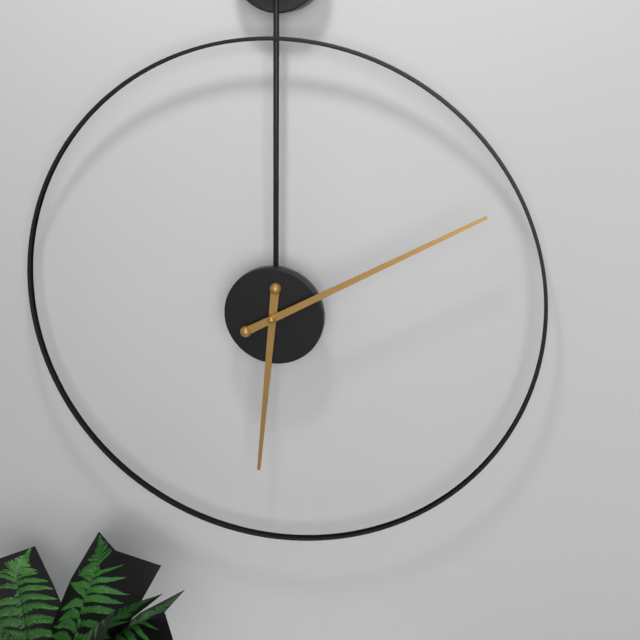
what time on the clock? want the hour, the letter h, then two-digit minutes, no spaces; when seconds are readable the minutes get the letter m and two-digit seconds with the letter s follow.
6h10
